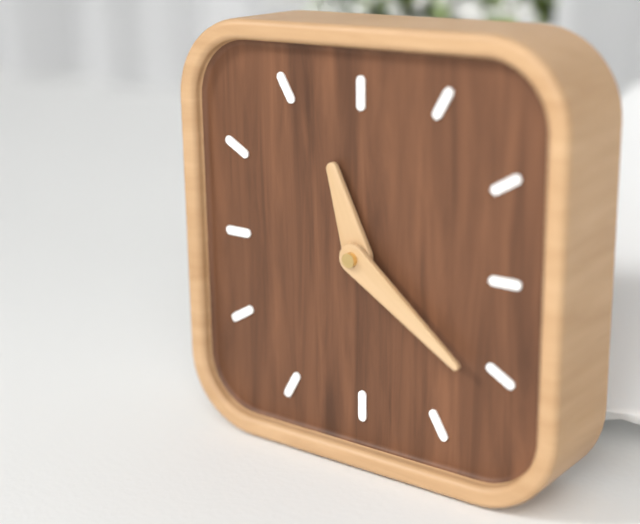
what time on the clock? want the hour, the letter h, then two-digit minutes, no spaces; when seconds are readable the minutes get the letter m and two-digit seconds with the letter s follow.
11h21
